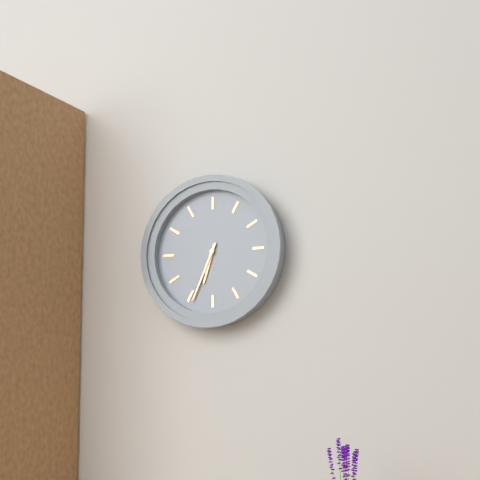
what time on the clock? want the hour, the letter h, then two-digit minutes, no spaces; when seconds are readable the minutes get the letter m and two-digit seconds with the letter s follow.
6h34
